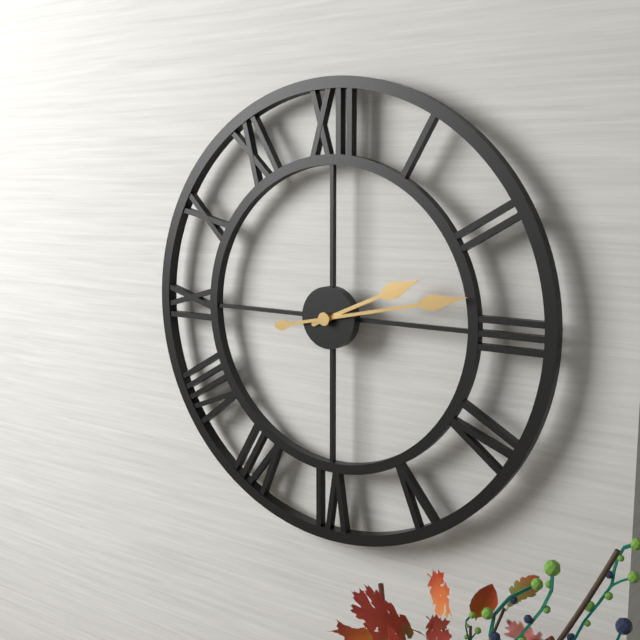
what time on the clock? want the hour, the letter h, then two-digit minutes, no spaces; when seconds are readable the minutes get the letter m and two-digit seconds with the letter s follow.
2h13
